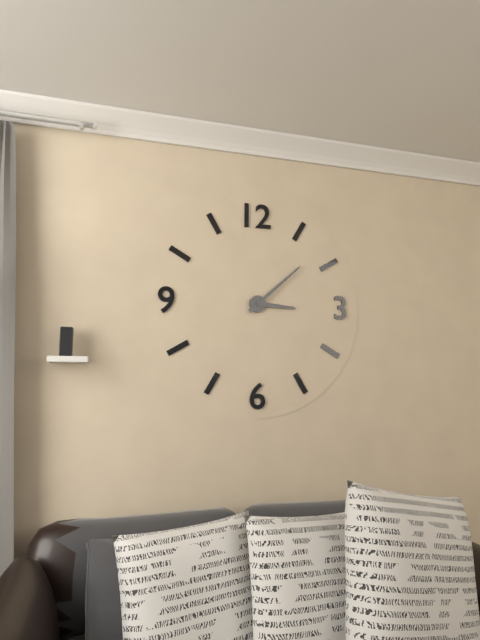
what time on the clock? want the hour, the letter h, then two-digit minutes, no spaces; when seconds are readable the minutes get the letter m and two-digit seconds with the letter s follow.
3h08
